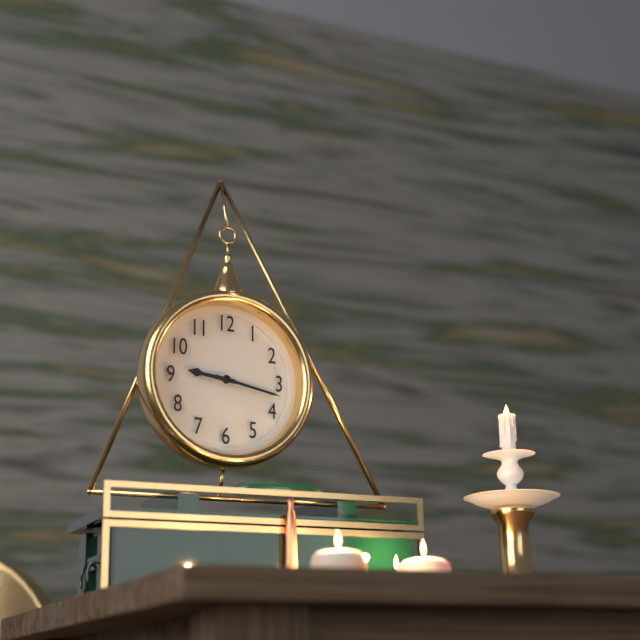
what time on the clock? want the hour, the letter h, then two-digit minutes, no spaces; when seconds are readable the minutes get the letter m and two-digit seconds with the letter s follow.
9h17
